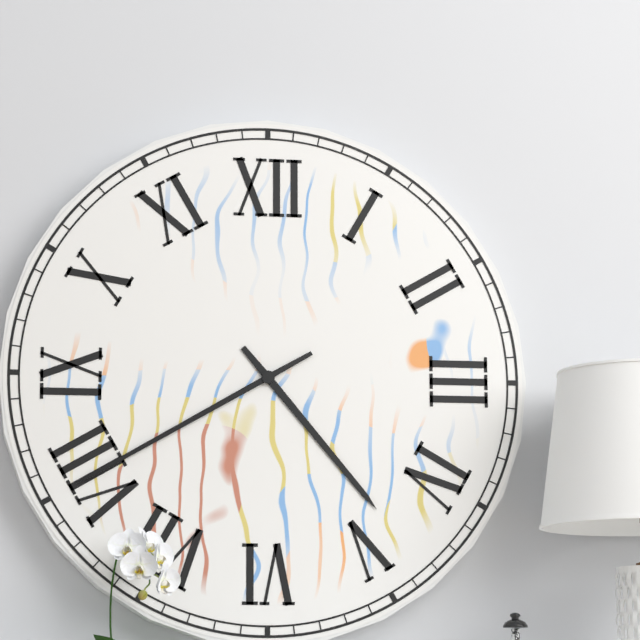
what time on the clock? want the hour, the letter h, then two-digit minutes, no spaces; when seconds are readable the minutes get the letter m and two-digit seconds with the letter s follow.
4h40
